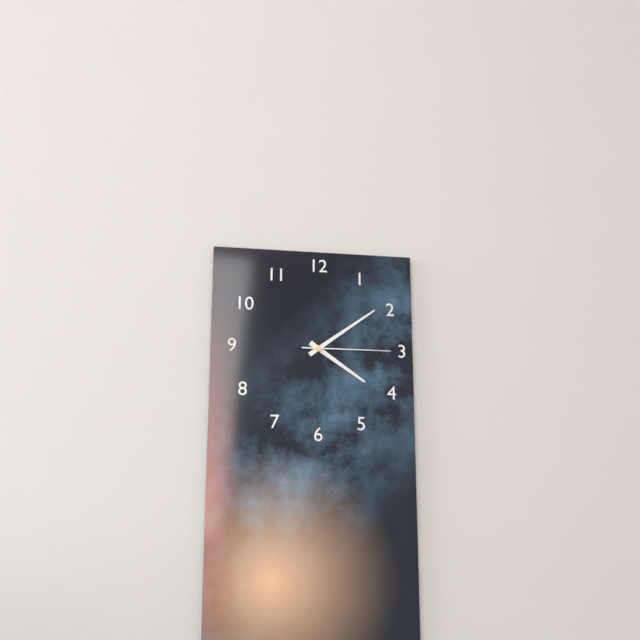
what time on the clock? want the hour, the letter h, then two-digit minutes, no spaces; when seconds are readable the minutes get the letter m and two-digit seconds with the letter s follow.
4h09m15s
